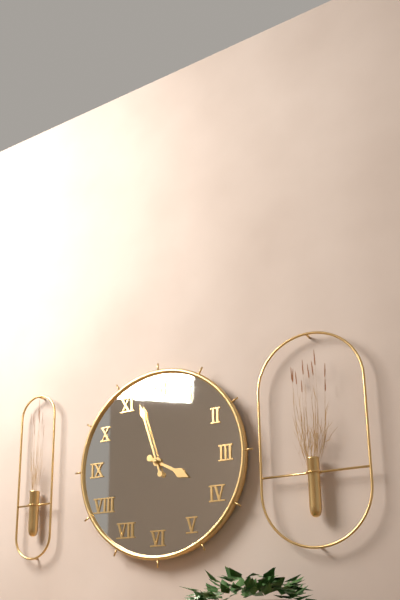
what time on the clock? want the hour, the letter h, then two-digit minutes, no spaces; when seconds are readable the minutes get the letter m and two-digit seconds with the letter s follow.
3h57
